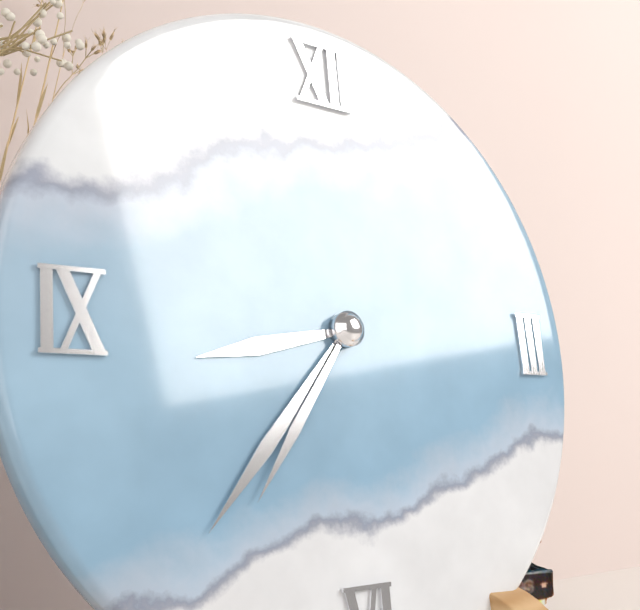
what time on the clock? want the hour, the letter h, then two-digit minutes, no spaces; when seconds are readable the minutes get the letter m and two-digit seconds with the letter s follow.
8h37m36s
